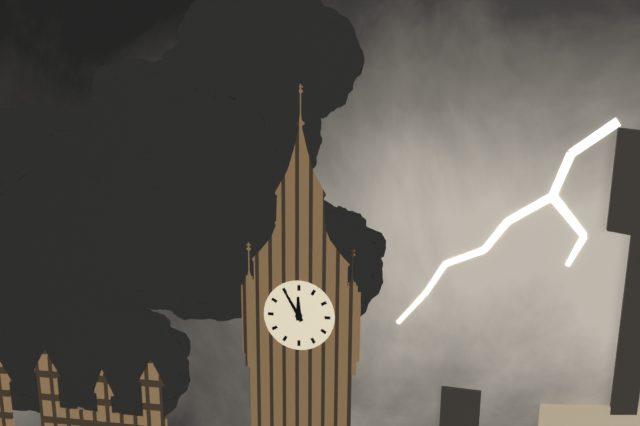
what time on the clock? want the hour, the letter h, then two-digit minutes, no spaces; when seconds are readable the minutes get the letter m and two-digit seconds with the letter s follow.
11h55
